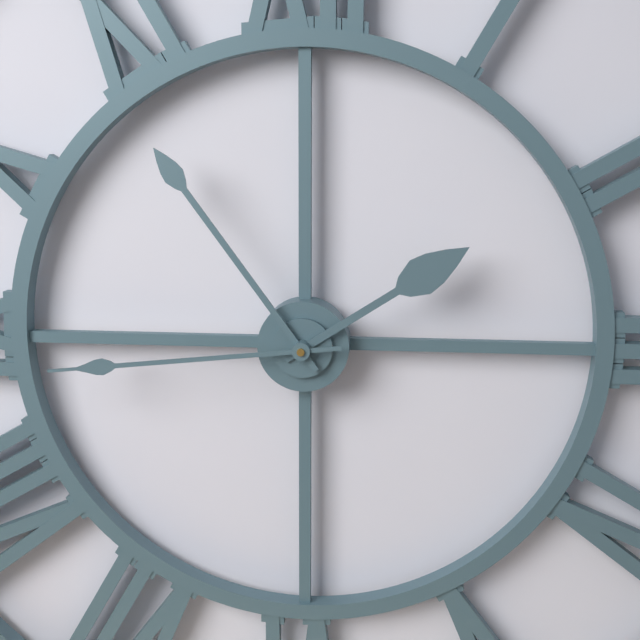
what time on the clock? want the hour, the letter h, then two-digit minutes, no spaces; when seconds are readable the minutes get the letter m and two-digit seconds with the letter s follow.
1h54m44s
